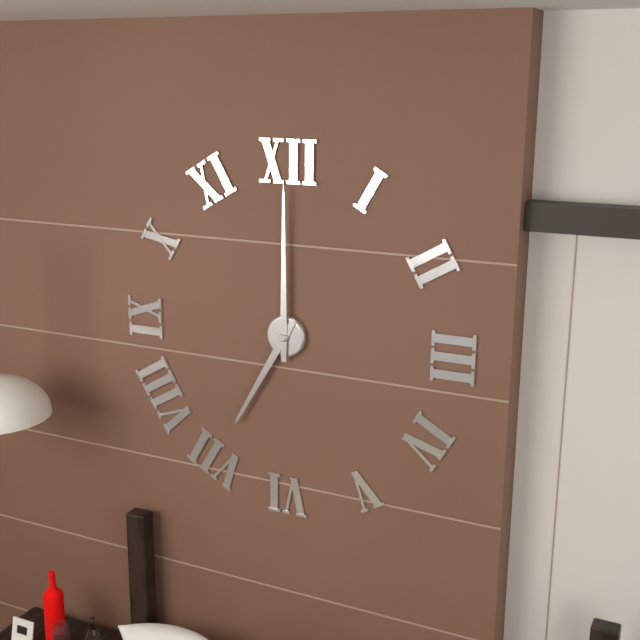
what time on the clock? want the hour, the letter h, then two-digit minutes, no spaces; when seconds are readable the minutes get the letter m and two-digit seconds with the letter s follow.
7h00
